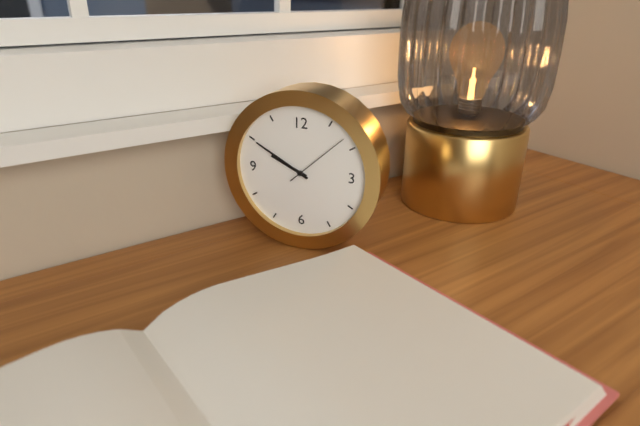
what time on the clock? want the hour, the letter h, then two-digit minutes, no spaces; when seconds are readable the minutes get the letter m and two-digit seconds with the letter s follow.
9h50m08s
